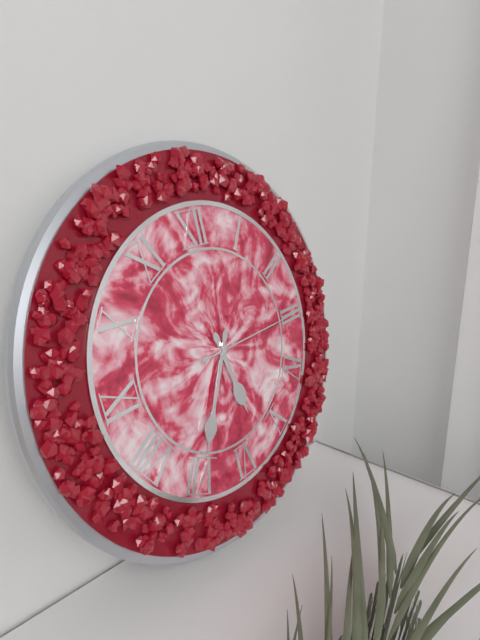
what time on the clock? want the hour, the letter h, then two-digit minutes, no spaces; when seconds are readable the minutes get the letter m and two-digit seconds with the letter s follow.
5h35m15s
